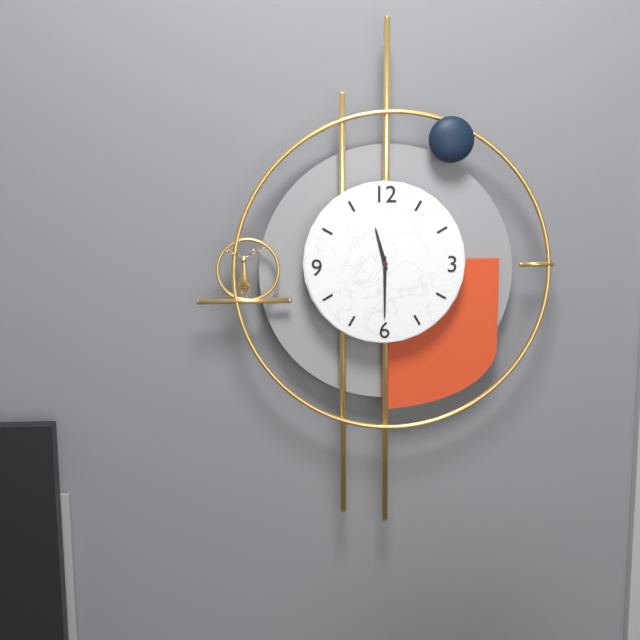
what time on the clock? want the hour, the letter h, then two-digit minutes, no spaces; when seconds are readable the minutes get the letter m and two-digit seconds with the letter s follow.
11h30
